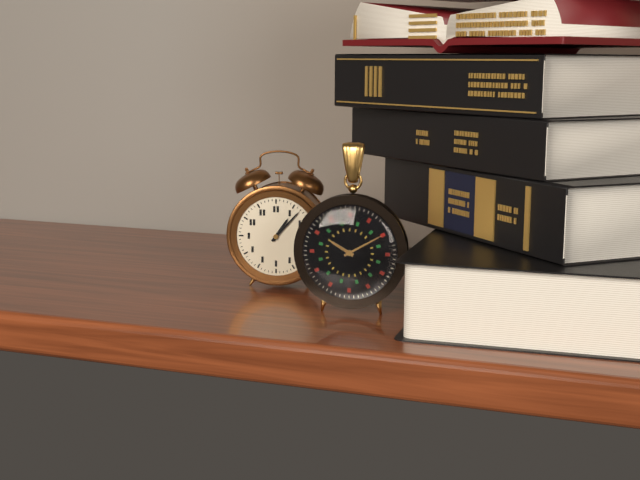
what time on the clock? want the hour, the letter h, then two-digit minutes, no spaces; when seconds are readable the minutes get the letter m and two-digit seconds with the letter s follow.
1h07
